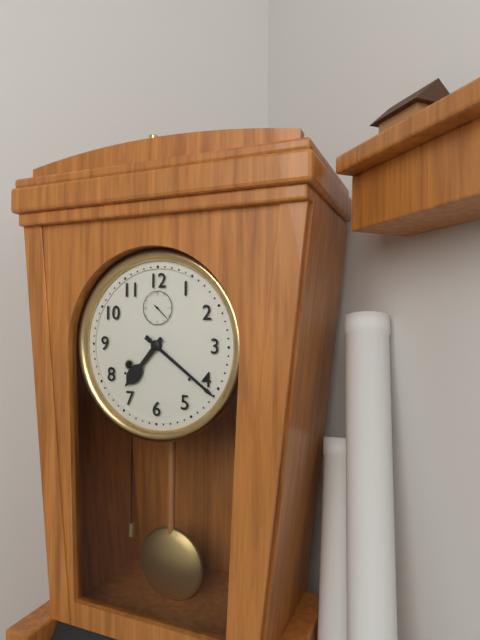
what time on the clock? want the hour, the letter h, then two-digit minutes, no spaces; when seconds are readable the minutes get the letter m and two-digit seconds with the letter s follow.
7h21
